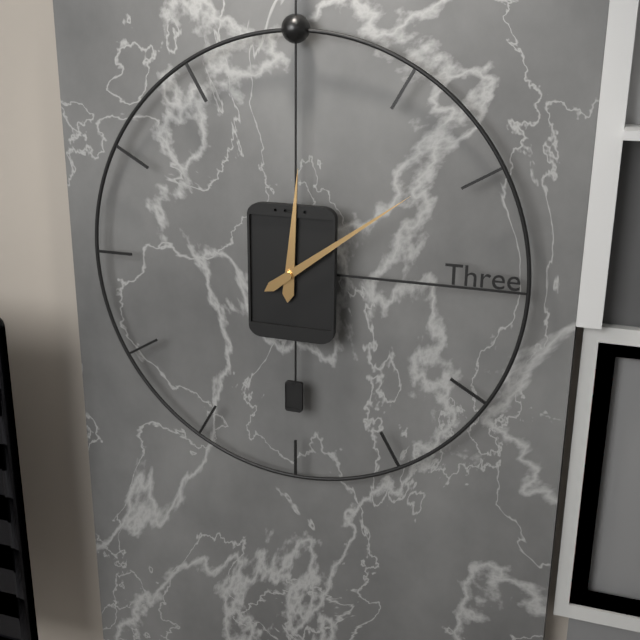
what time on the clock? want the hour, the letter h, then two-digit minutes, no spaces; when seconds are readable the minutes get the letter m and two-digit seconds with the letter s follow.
12h09
